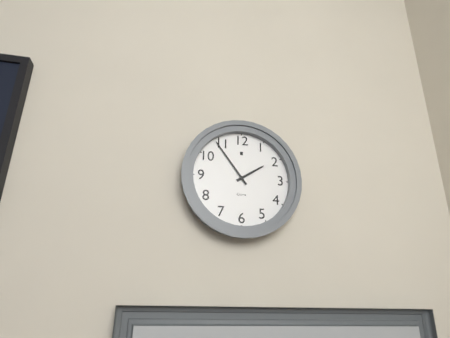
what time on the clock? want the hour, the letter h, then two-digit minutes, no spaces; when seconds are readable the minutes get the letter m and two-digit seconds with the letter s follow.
1h54
